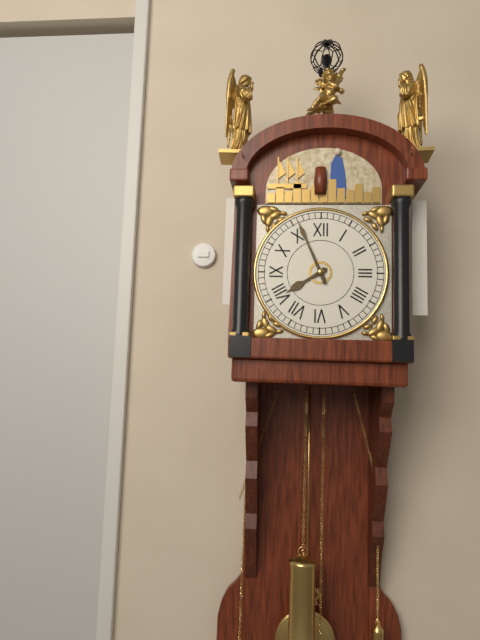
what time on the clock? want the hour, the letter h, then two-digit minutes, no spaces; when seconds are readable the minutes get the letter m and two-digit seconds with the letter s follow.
7h56
